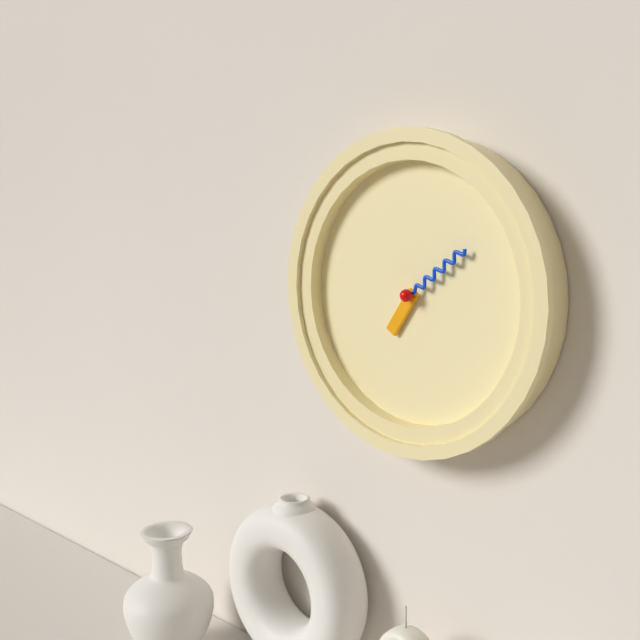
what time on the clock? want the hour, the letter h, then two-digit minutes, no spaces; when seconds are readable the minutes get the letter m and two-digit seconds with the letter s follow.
7h09
